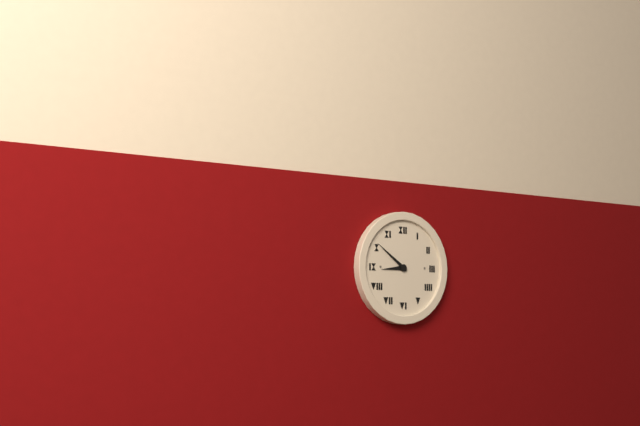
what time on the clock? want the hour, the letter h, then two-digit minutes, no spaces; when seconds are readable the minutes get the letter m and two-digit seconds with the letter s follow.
8h51
